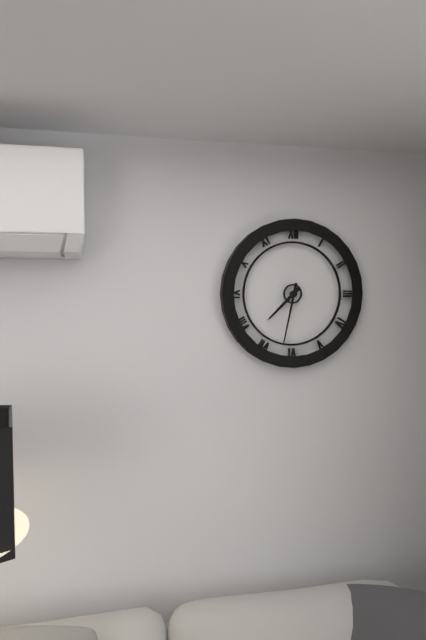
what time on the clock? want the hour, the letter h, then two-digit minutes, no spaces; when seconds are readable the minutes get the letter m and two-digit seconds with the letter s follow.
7h32
